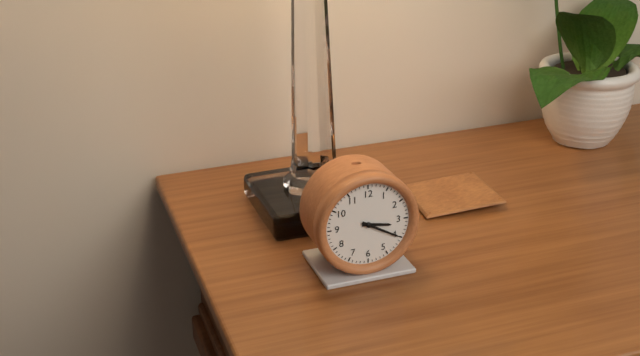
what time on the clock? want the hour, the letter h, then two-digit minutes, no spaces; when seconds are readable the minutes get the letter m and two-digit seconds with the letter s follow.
3h20
